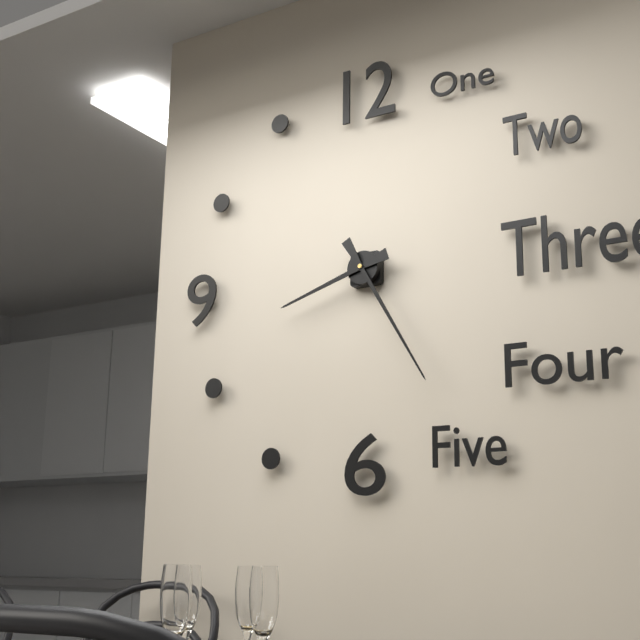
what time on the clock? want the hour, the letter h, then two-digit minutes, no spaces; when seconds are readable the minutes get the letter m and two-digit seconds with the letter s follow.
8h25
